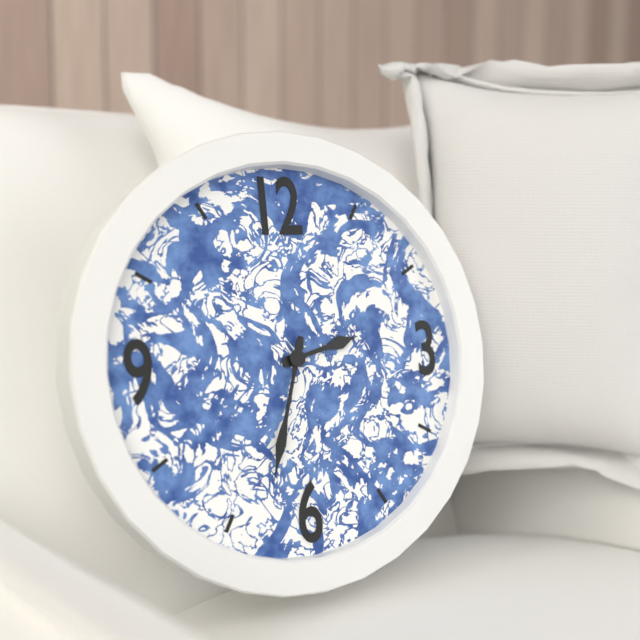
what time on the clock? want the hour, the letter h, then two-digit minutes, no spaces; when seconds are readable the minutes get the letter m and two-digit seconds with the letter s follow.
2h33
